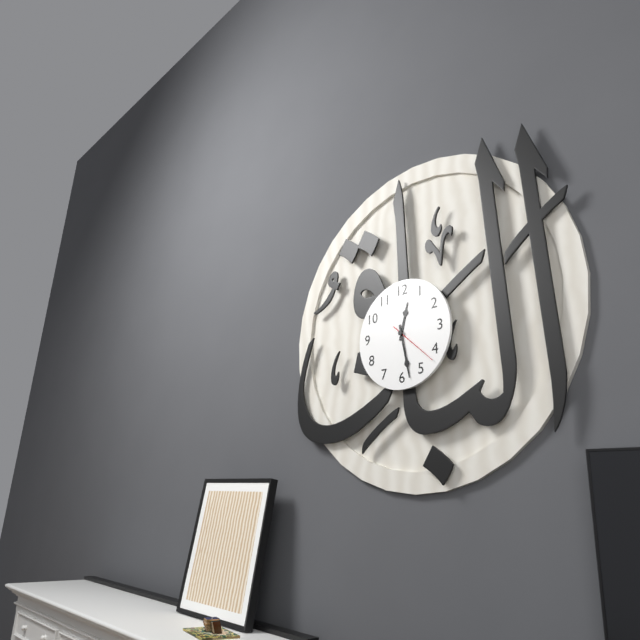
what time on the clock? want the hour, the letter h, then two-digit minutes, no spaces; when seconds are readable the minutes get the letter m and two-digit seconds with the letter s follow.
12h28
